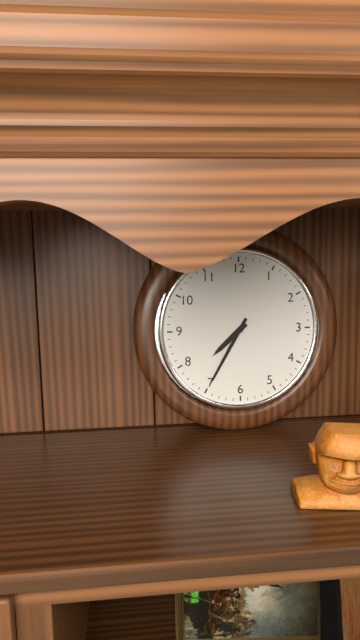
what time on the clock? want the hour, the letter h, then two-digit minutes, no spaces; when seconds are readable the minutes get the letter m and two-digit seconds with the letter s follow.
7h35
